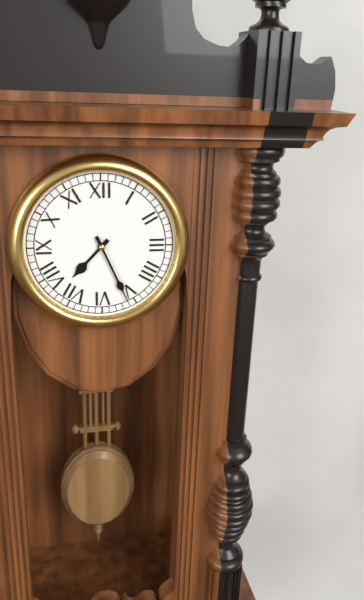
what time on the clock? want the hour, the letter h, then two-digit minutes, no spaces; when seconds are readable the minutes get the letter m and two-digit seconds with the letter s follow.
7h26
